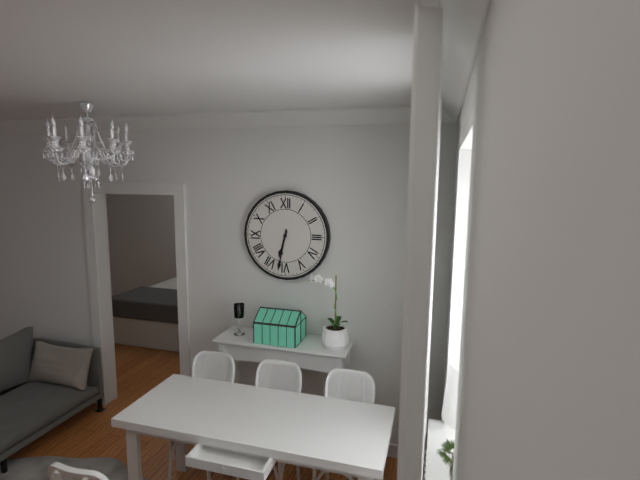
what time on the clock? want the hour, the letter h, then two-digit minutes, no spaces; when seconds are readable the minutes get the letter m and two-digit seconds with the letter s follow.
6h32
